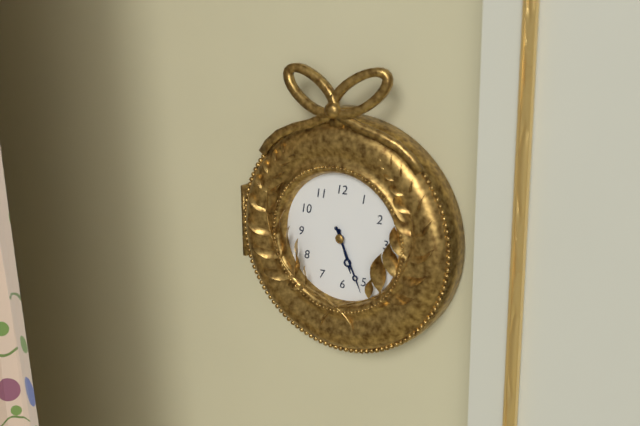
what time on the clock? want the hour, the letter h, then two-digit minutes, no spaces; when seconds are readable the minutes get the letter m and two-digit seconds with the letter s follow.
5h26
